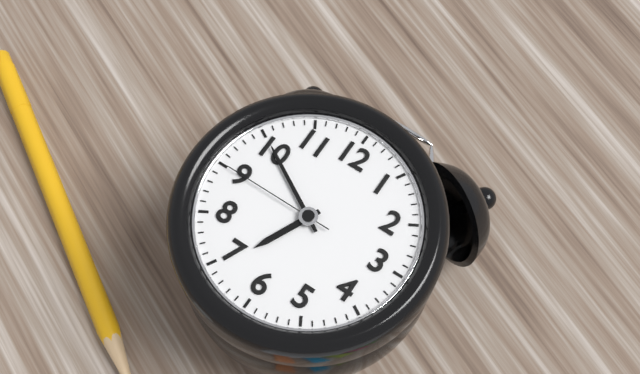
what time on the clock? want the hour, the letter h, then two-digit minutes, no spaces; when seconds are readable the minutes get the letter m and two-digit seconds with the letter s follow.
6h50m45s
